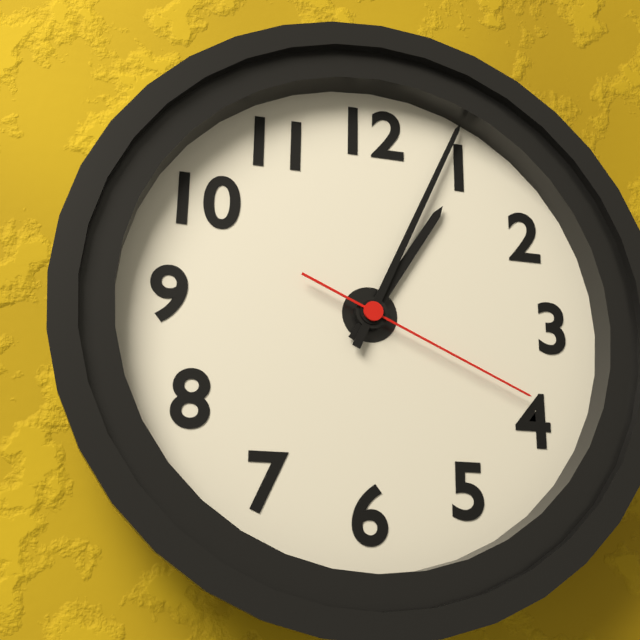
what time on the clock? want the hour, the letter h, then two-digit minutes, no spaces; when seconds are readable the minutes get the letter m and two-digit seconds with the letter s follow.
1h04m19s
